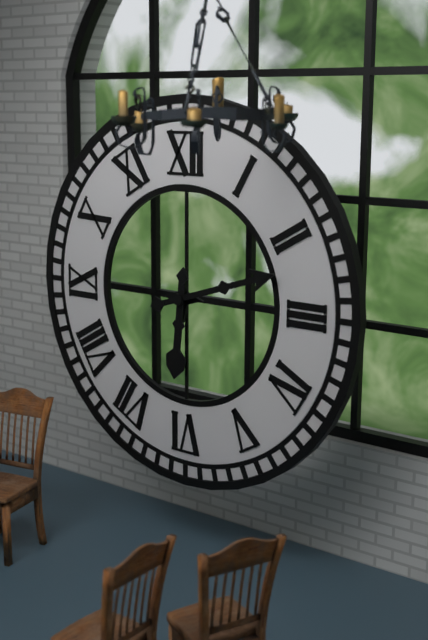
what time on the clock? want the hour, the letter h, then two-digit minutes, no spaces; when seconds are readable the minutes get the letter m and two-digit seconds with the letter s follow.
6h12
